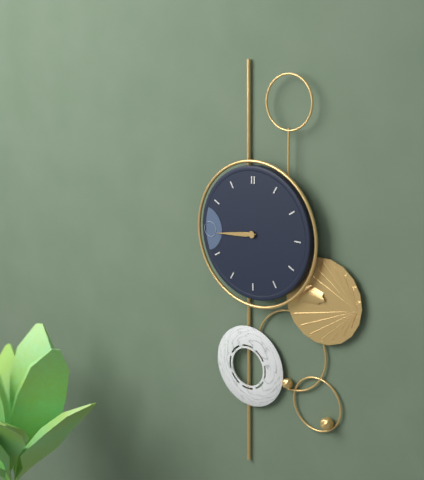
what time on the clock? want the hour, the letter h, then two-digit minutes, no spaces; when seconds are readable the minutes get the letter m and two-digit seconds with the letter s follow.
8h44
